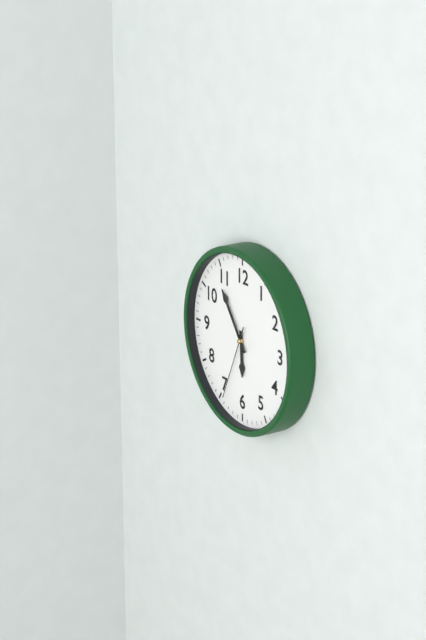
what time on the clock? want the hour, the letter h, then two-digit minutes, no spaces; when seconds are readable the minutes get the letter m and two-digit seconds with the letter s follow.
5h54m34s
